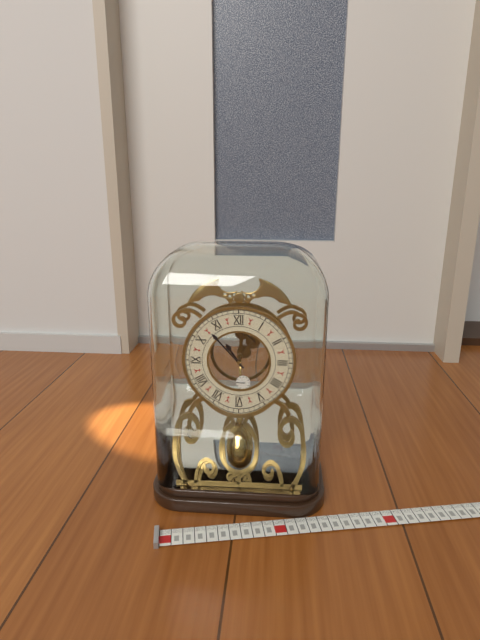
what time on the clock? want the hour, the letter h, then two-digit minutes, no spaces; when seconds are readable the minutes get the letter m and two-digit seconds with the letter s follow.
10h53
